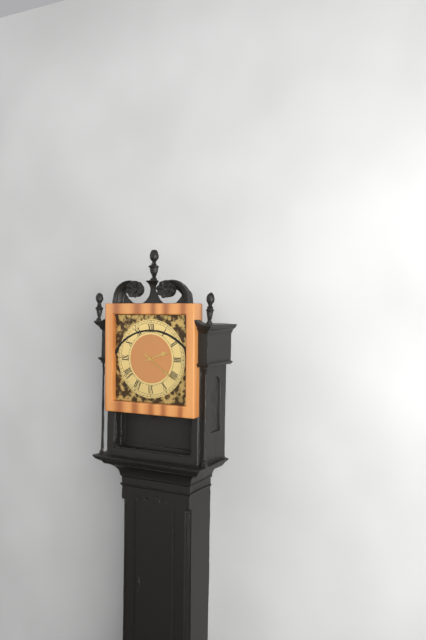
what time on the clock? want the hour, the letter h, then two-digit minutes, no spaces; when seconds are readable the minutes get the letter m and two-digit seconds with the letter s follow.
2h21
